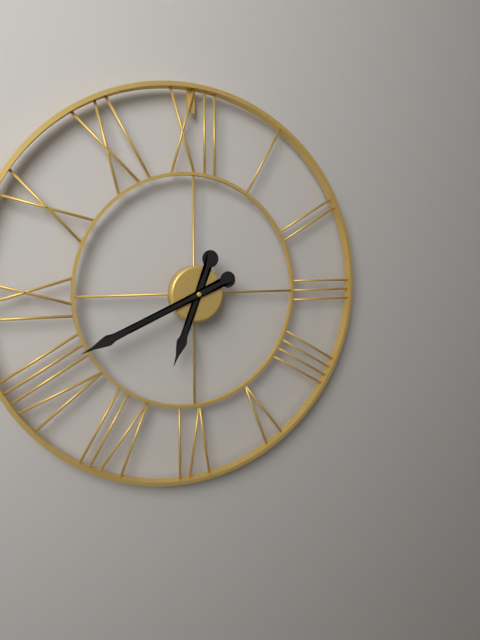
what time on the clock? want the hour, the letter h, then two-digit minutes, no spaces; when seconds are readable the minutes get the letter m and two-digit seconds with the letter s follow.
6h41
